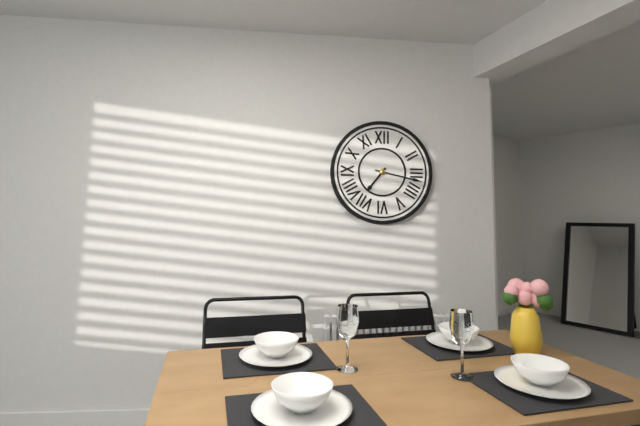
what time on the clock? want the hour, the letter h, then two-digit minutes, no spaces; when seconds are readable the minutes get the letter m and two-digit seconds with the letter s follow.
7h17
